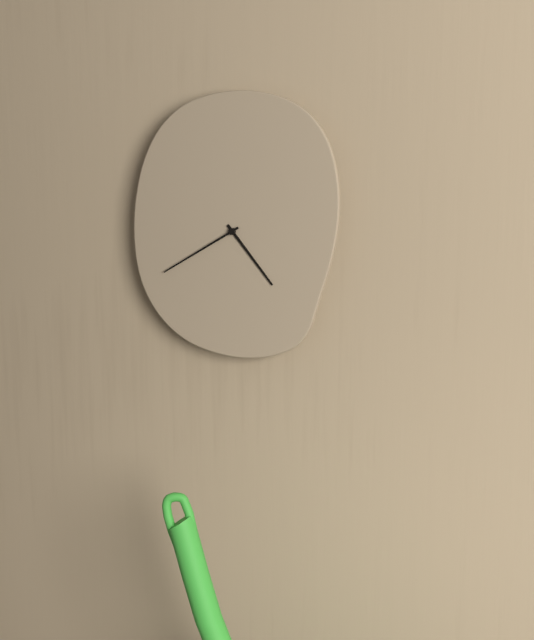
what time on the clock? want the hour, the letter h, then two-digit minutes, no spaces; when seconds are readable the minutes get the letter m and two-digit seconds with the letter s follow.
4h40
